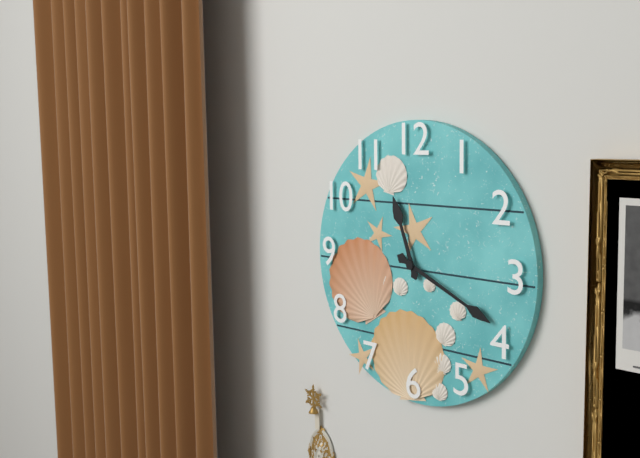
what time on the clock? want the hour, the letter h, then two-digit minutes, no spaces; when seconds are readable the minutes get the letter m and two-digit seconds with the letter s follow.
11h19
